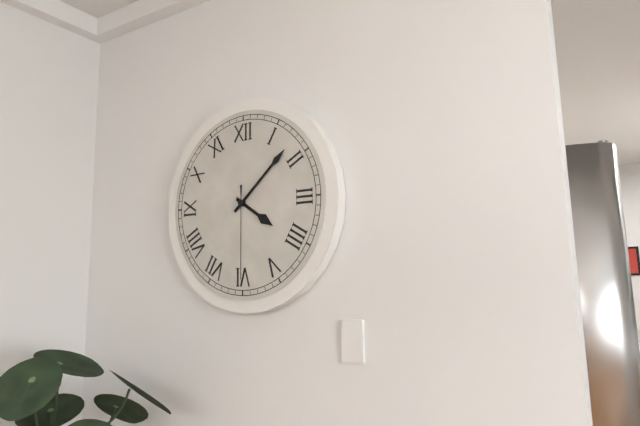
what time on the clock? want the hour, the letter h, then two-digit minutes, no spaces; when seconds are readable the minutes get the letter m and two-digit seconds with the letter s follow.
4h08m30s
